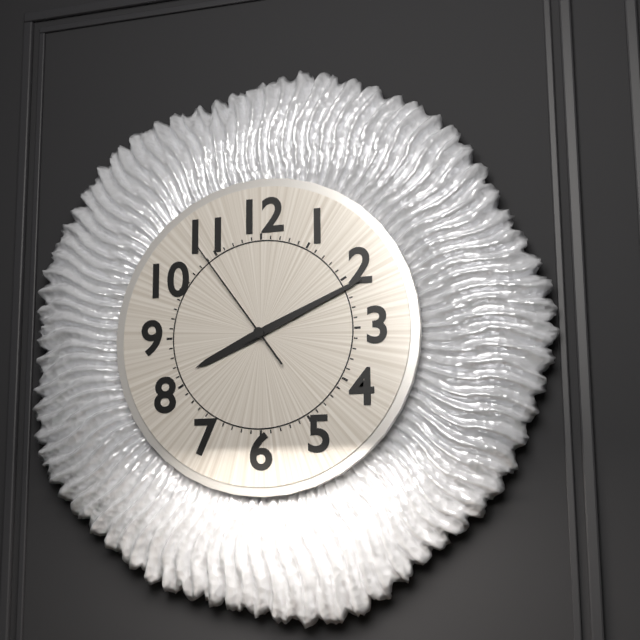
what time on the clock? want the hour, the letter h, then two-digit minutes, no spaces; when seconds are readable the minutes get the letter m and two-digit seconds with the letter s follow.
8h11m54s
